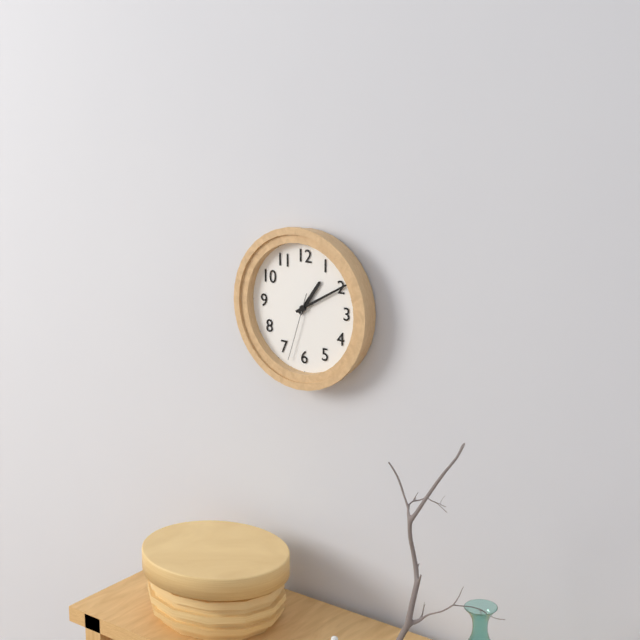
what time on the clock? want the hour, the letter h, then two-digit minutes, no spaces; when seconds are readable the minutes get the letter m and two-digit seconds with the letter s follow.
1h10m33s
